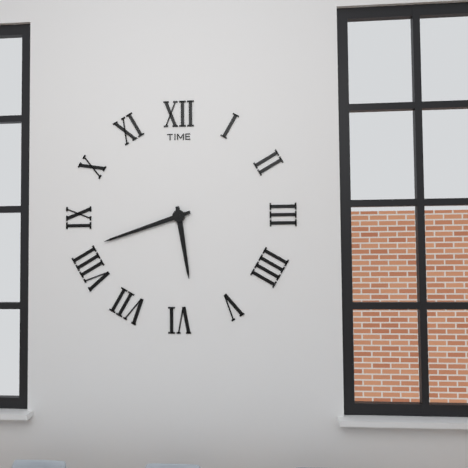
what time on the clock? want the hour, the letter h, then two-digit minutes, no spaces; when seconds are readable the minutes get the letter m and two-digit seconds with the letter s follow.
5h42
